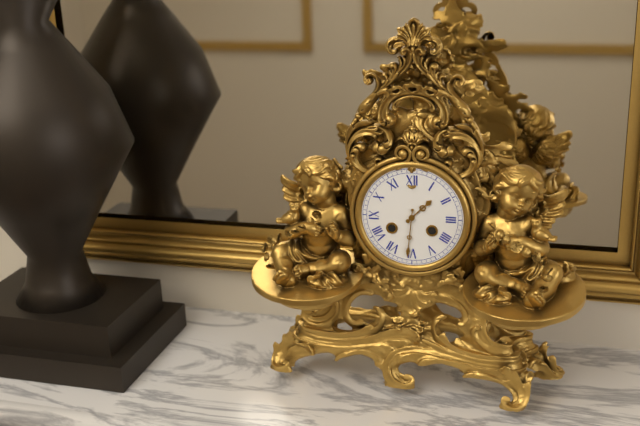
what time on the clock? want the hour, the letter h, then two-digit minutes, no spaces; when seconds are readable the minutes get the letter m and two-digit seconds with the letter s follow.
1h31
